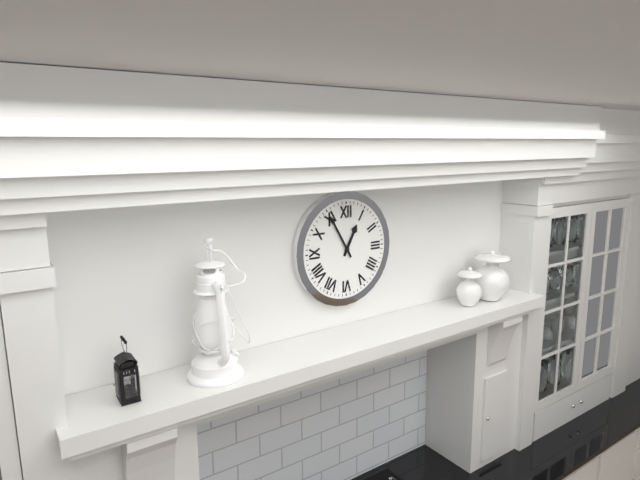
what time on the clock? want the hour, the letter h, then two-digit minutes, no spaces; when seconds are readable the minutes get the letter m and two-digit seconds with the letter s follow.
12h55
